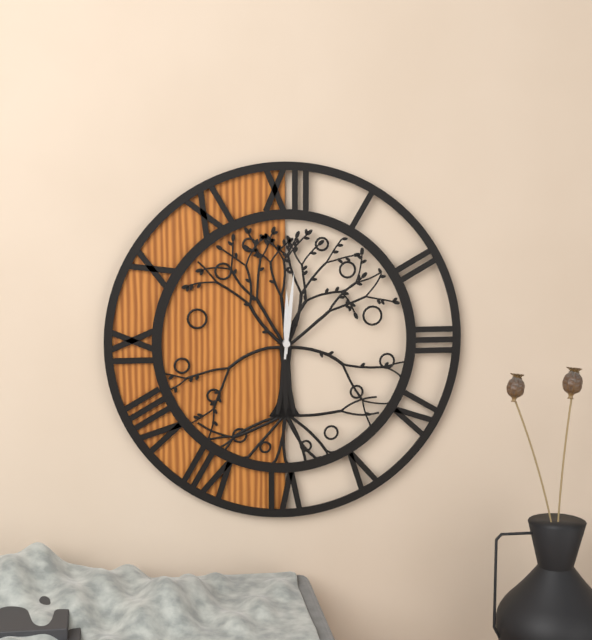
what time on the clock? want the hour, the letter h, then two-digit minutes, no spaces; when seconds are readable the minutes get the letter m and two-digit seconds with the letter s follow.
12h01
